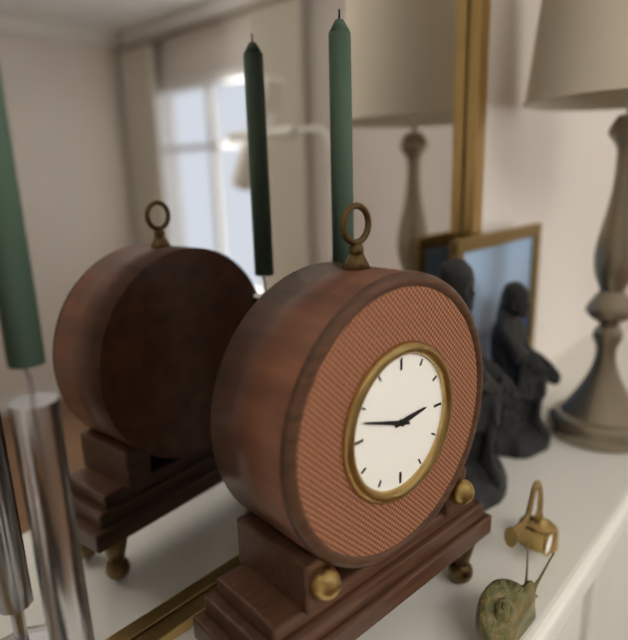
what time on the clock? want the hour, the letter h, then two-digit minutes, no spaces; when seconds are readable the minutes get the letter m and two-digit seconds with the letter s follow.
2h48
